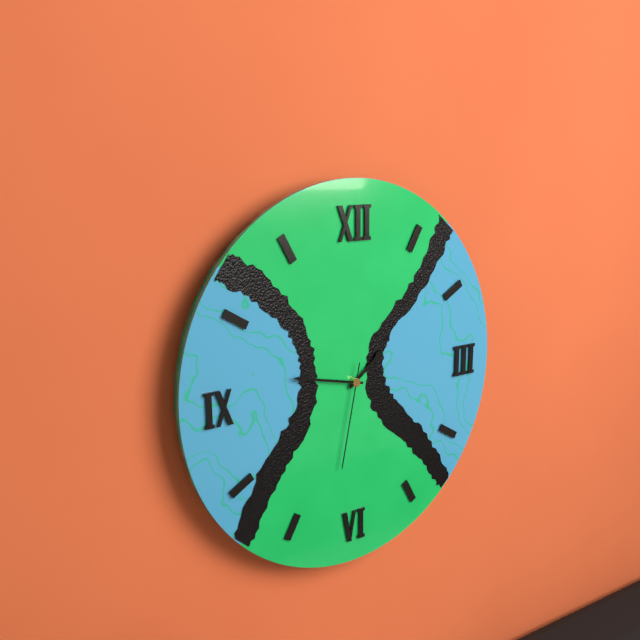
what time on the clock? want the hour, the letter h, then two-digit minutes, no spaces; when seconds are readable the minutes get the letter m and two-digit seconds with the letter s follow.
1h47m32s
